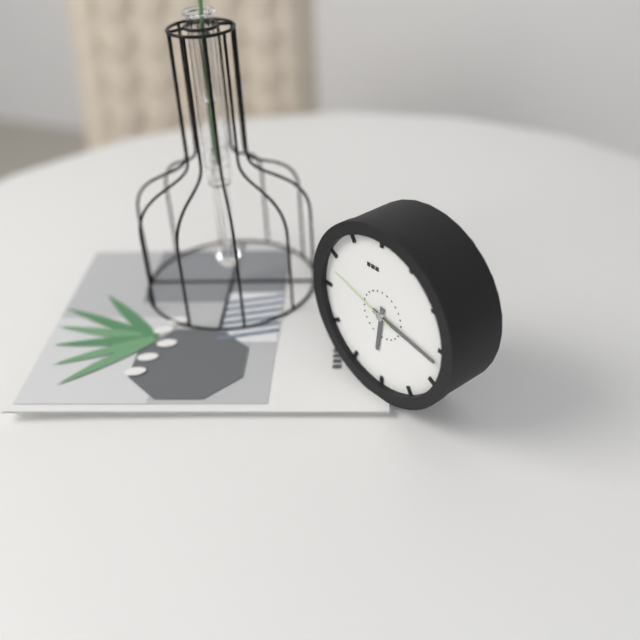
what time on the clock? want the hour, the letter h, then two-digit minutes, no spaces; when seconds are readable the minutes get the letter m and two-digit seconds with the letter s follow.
6h17m48s
